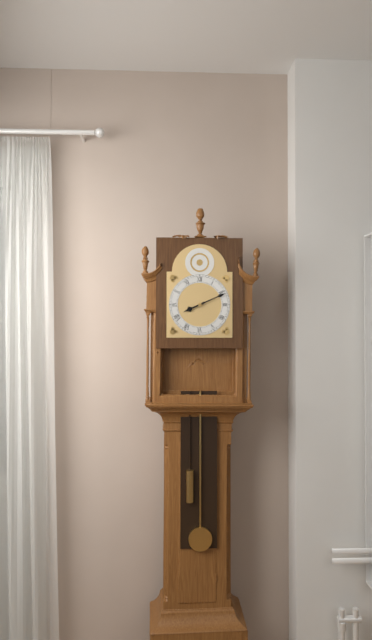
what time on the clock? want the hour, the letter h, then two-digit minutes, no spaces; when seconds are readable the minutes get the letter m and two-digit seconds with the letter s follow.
8h11
